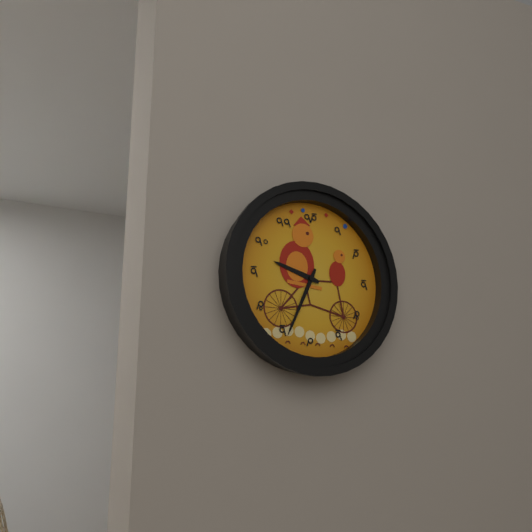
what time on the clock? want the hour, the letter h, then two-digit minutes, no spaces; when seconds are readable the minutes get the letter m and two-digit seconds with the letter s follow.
9h34
